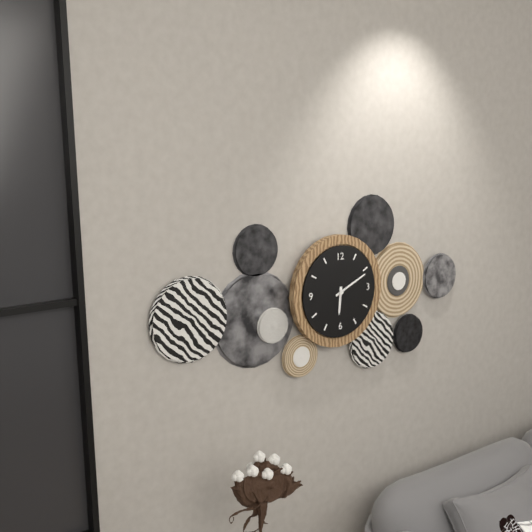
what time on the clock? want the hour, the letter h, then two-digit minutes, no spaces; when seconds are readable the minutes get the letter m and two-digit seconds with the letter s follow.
6h11
